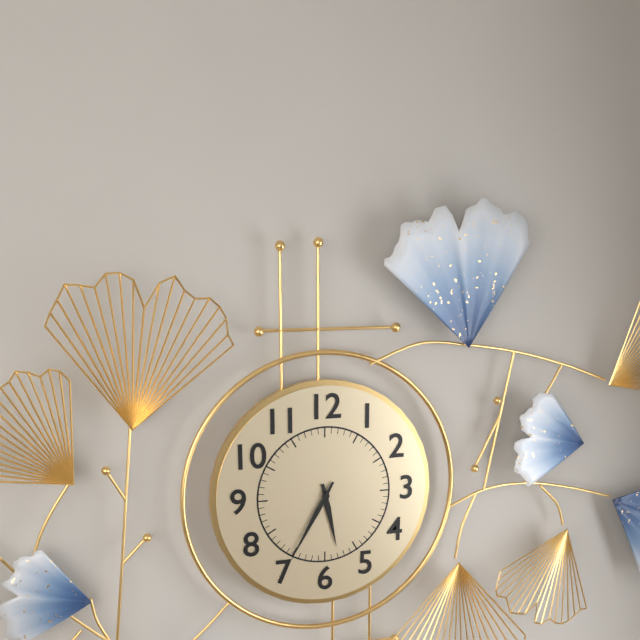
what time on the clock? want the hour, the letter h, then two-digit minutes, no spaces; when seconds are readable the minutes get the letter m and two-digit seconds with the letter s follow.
5h35
